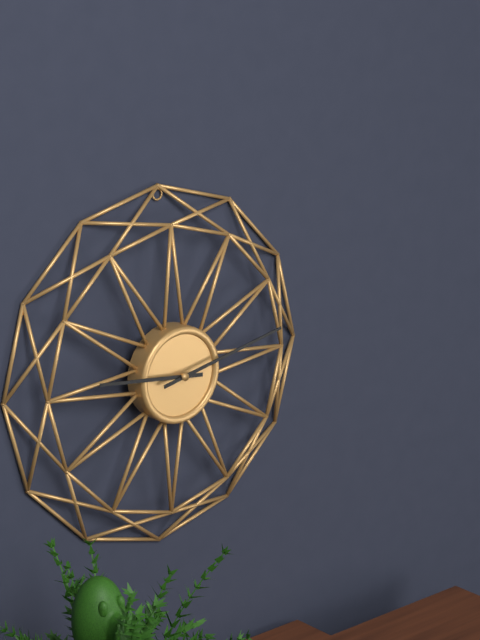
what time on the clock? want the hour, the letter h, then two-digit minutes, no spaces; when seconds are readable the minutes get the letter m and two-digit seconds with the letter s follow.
9h13
